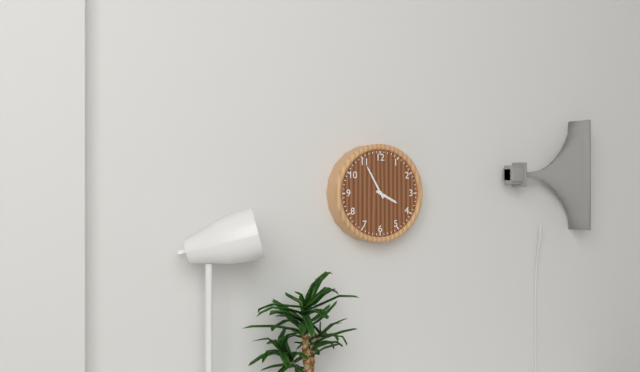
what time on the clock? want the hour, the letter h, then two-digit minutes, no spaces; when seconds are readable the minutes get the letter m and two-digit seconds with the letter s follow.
3h55
